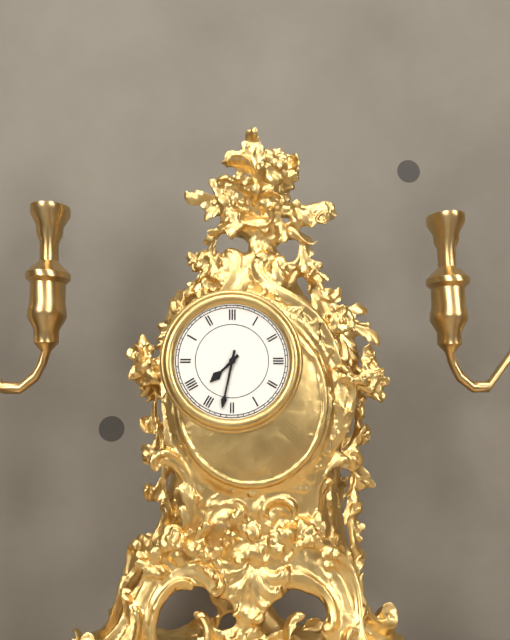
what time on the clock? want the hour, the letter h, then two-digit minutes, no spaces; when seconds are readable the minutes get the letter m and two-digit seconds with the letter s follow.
7h32
